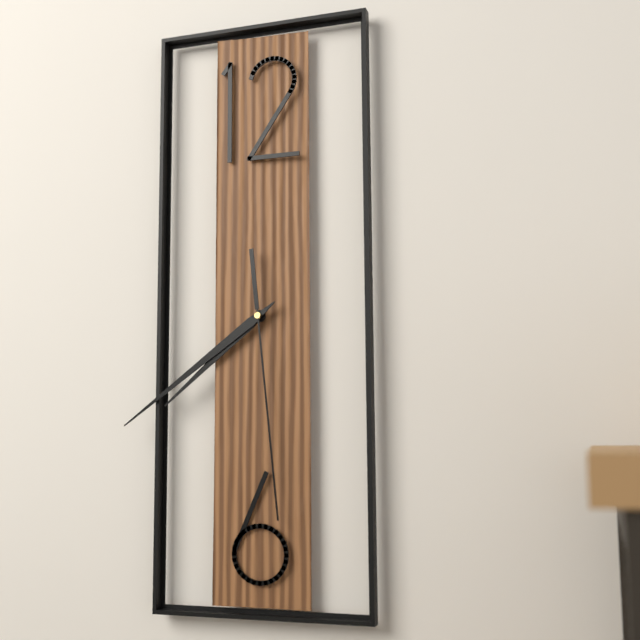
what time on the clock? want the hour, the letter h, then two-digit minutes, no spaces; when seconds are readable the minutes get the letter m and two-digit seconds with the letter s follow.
7h39m29s
